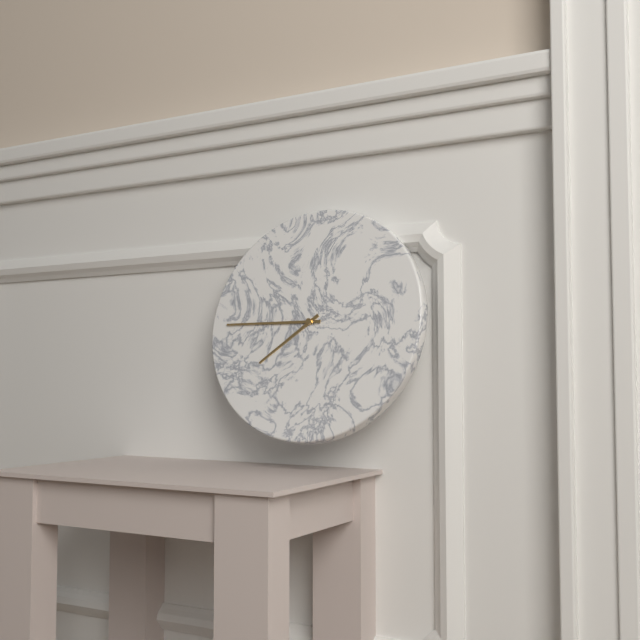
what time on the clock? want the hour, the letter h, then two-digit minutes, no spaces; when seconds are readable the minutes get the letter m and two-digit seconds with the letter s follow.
7h45
